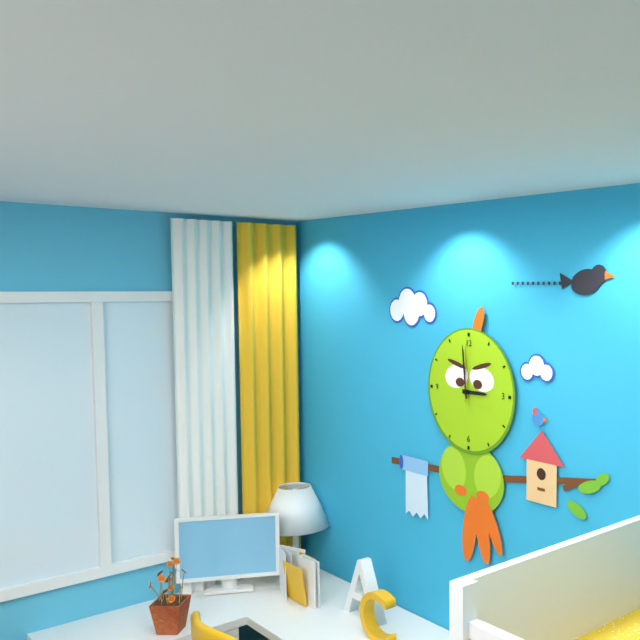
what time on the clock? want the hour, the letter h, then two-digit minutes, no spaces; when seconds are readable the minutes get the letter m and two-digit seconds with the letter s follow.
2h59m00s
